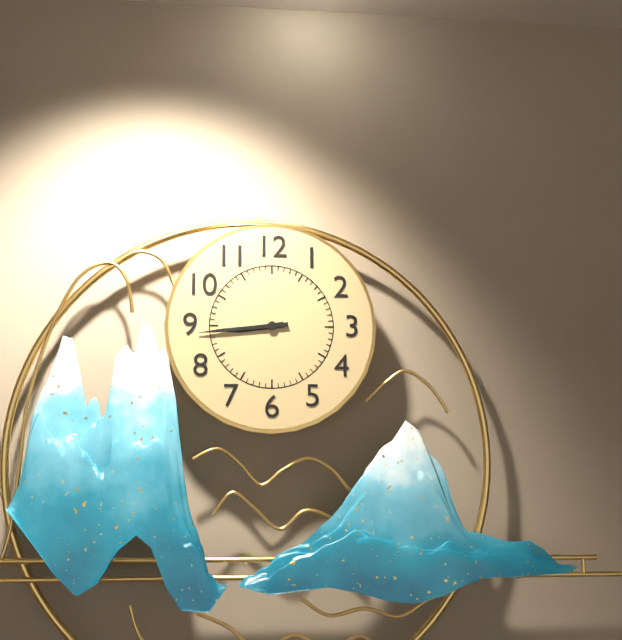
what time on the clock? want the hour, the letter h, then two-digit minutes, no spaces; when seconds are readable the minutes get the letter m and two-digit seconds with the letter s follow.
8h44
